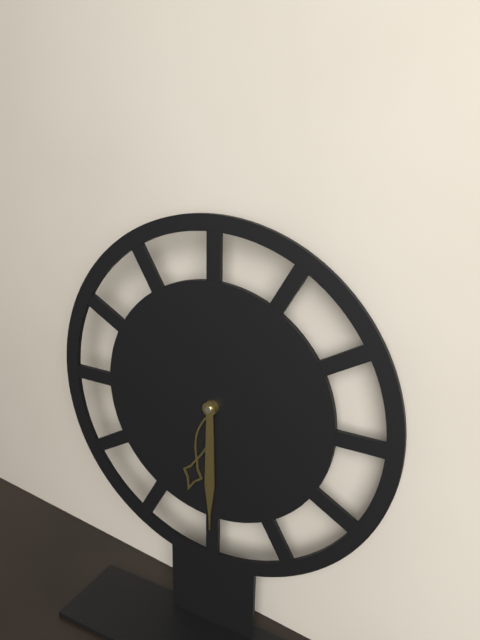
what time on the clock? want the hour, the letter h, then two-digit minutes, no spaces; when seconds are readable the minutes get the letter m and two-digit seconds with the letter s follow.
6h30
